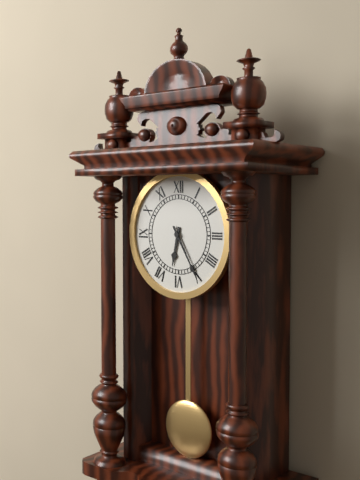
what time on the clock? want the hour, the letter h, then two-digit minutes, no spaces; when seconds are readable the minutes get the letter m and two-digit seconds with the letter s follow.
6h25
